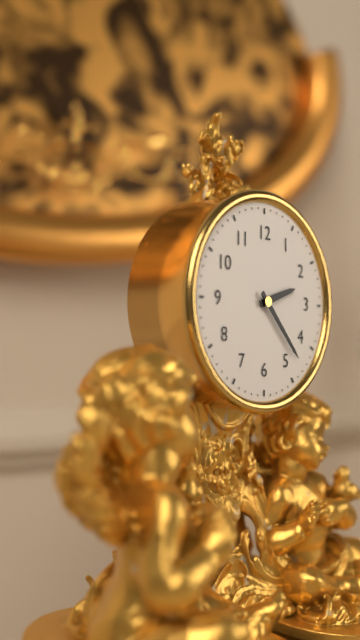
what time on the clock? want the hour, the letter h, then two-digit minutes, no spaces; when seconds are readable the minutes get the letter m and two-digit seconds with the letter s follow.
2h23
